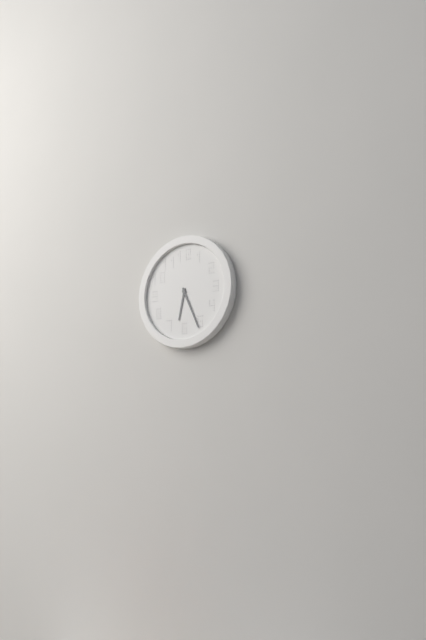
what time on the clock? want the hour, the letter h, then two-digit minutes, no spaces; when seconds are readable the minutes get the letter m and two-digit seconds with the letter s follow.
6h26
